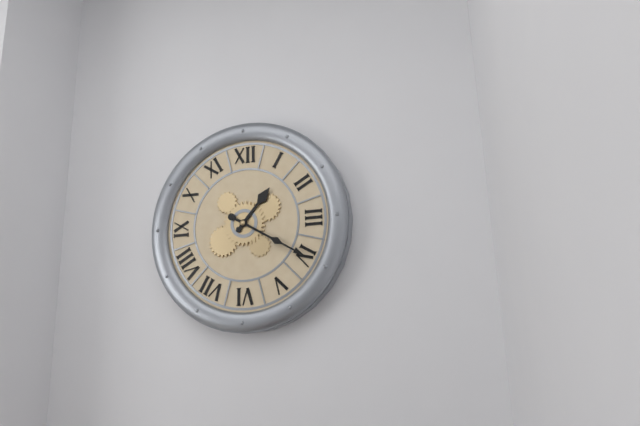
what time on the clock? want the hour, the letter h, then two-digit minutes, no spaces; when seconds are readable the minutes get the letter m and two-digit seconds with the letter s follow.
1h20
